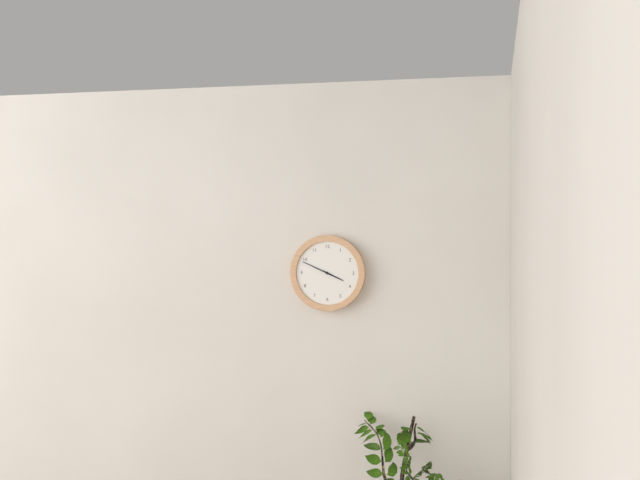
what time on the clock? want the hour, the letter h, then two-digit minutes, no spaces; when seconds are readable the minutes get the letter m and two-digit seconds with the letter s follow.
3h49
